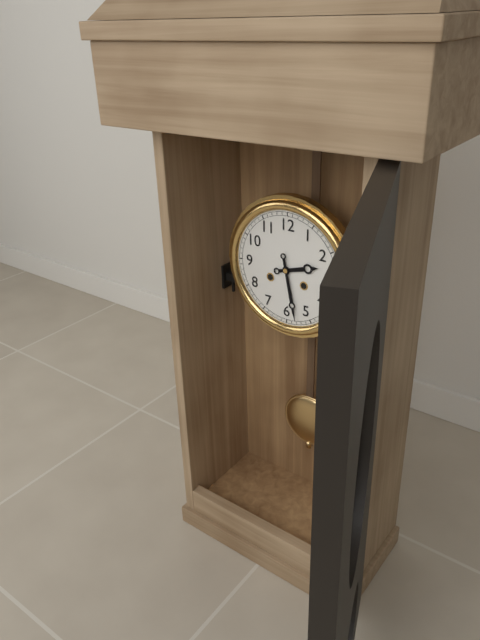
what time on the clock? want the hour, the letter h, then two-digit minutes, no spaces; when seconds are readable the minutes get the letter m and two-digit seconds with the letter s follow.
2h28
